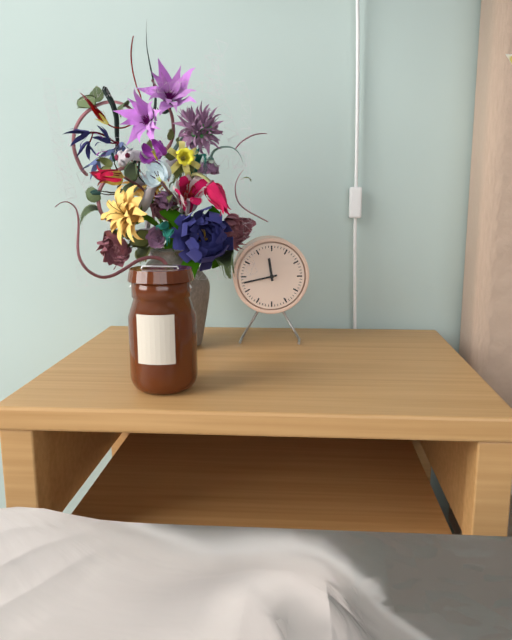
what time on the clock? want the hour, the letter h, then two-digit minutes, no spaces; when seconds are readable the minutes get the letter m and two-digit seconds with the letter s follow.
11h43
